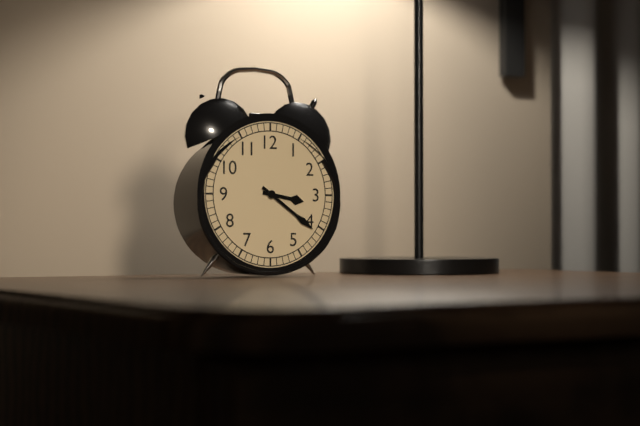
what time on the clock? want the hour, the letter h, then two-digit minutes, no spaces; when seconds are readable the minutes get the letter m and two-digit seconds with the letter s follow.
3h21
